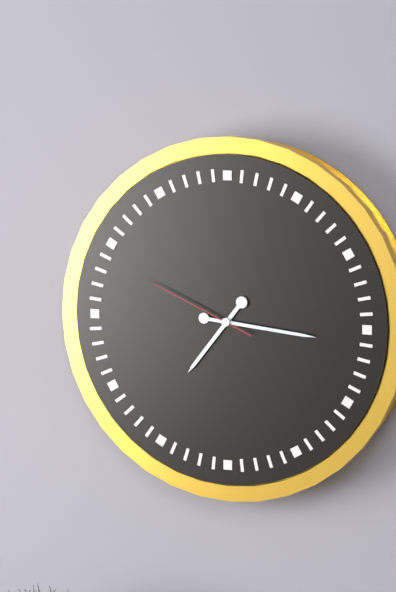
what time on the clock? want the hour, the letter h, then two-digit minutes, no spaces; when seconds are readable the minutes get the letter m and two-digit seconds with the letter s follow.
7h16m49s
